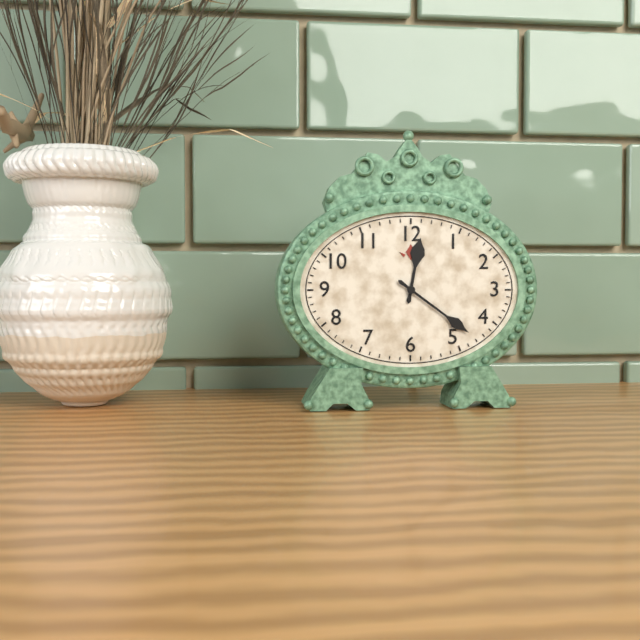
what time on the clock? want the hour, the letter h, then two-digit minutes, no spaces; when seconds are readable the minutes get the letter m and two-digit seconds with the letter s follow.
12h21
